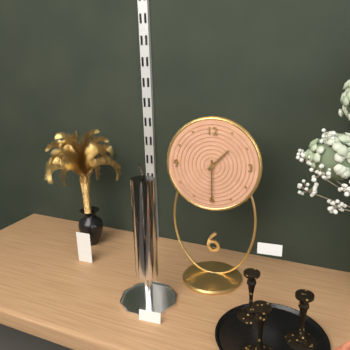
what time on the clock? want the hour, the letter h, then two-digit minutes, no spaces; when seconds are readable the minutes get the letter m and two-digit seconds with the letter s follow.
1h30
